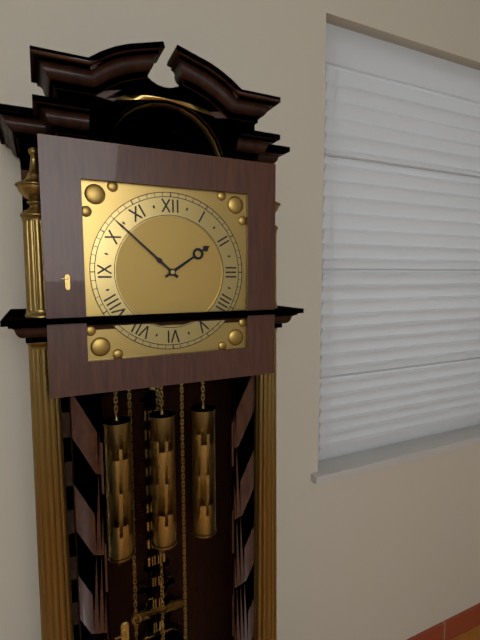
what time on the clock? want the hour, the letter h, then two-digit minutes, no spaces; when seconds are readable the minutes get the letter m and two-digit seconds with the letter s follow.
1h52
